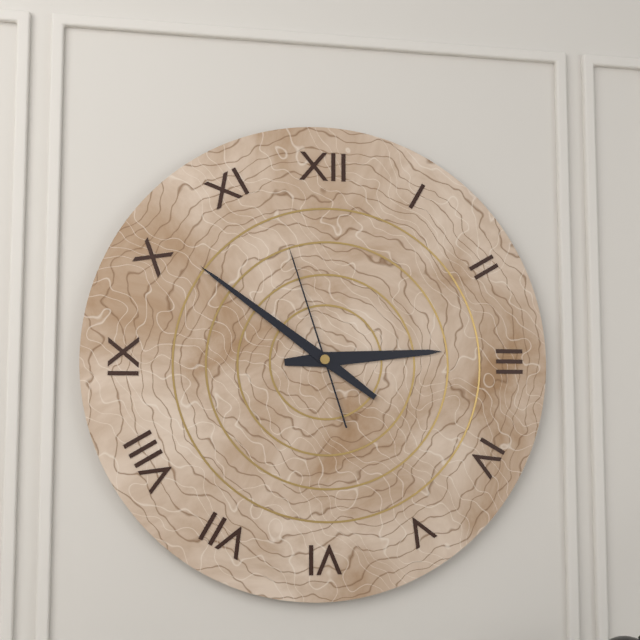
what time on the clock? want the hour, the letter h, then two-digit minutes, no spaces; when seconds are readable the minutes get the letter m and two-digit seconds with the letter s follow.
2h51m57s
